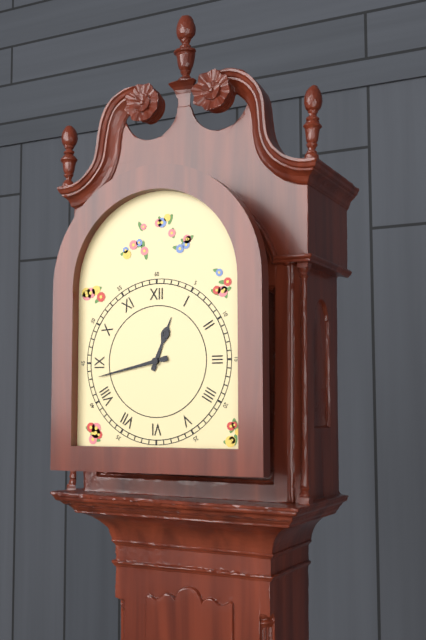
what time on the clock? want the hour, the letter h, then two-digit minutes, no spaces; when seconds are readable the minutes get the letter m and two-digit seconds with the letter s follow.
12h43
